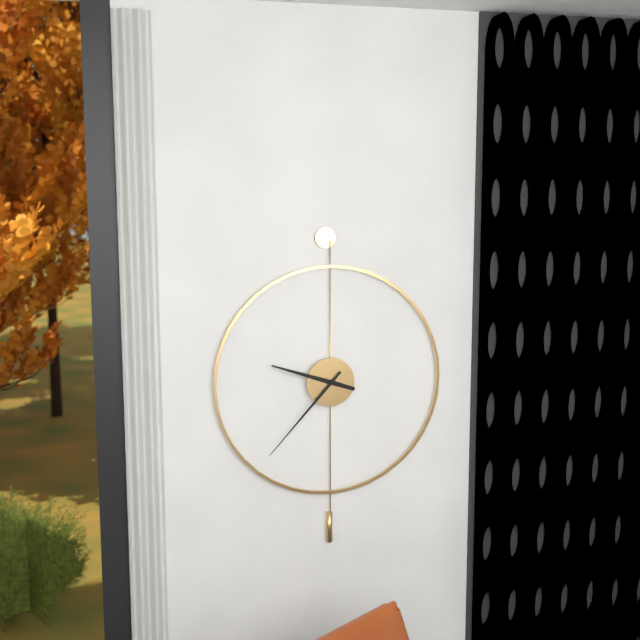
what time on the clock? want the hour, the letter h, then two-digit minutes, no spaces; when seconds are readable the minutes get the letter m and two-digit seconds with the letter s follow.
9h37
